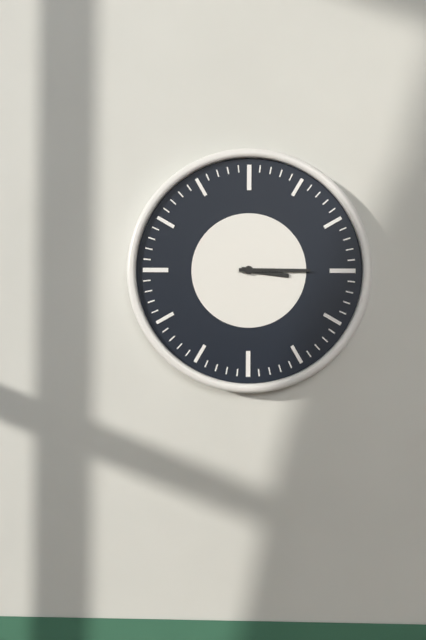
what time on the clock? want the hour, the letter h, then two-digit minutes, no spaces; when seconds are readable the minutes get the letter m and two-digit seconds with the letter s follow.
3h15
